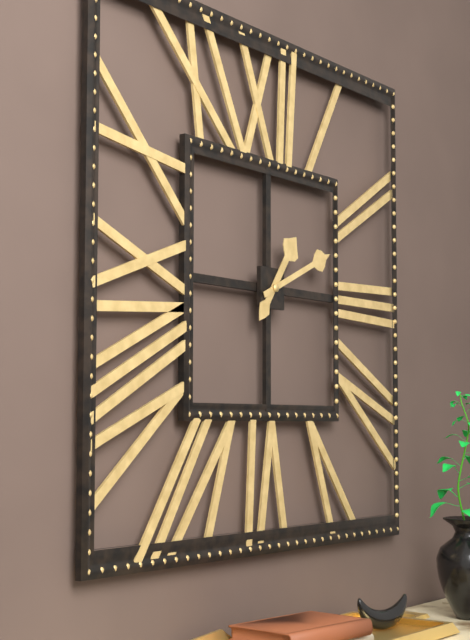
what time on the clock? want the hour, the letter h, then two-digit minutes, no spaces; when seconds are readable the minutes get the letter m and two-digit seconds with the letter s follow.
1h11
